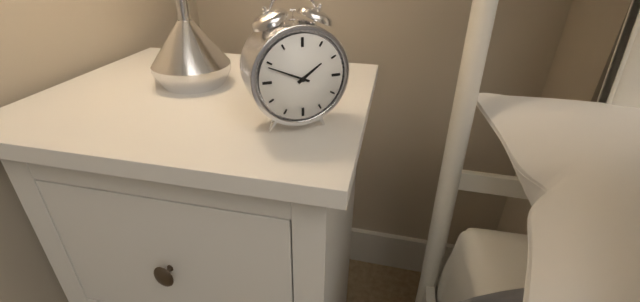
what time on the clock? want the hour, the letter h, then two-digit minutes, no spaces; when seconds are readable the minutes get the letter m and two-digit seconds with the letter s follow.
1h49
